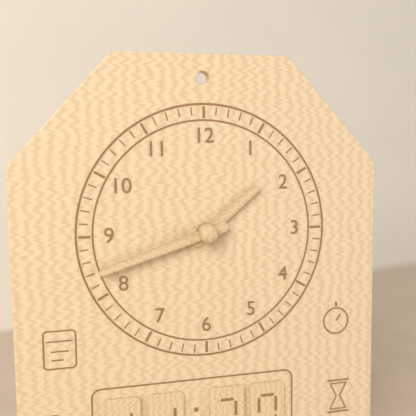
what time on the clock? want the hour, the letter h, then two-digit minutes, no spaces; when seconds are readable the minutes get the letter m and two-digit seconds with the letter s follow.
1h42
